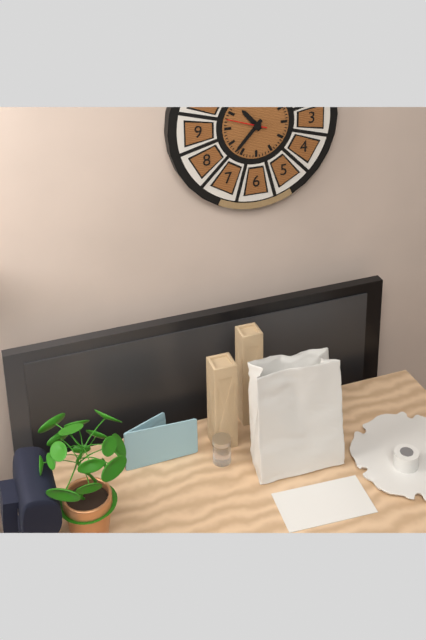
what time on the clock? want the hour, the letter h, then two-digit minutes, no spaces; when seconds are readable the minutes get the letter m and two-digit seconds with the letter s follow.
10h37
